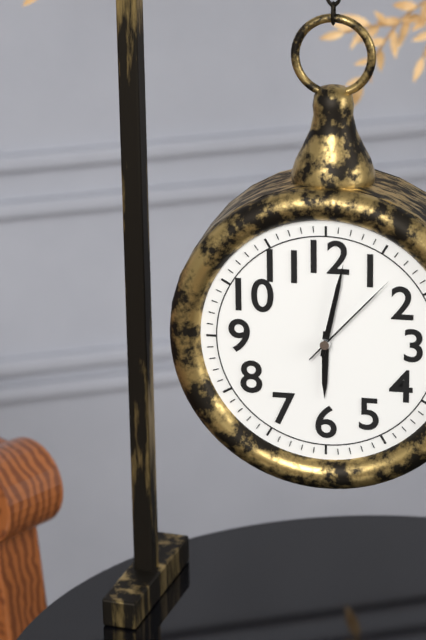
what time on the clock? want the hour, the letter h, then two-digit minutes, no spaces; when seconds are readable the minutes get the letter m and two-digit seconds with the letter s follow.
6h02m07s
